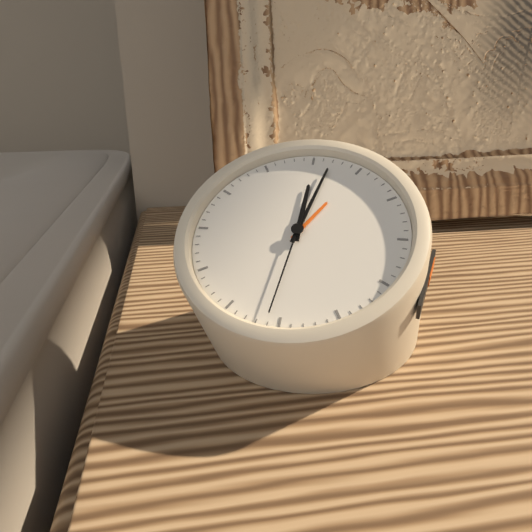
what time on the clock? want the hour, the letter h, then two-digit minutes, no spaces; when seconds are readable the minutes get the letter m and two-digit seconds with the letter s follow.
12h02m31s
